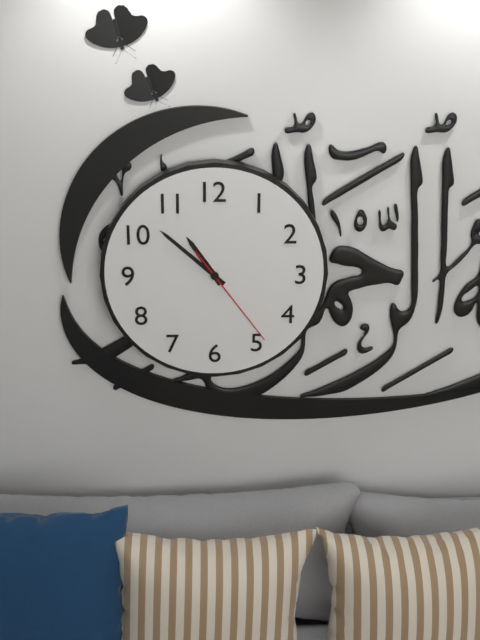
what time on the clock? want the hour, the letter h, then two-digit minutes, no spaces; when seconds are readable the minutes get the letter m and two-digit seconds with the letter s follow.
10h52m24s
